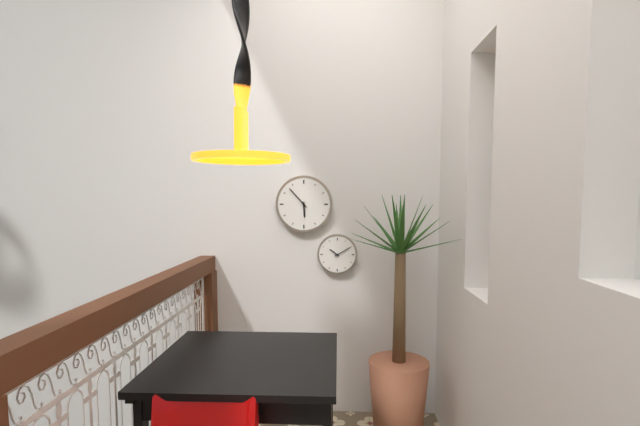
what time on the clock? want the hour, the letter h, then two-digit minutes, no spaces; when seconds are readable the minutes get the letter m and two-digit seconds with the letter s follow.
5h53
